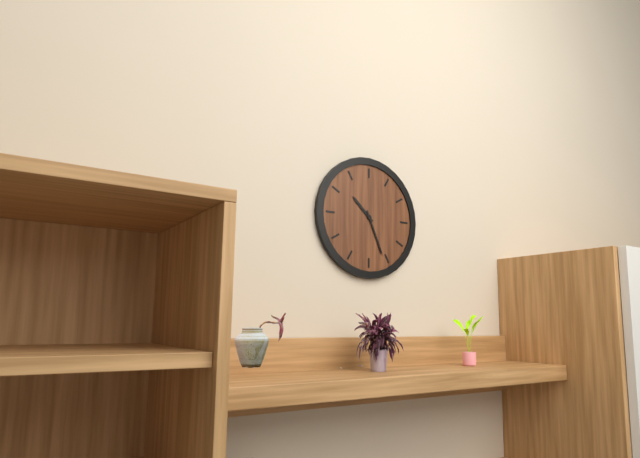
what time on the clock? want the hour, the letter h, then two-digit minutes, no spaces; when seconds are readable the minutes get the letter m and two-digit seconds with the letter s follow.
10h26
